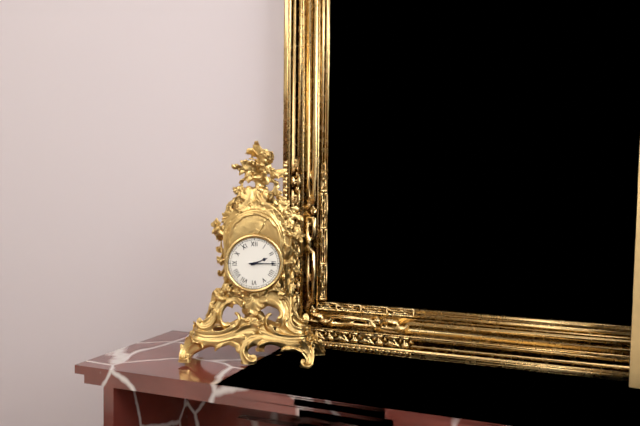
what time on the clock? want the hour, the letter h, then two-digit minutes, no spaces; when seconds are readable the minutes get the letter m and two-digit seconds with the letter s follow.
2h15
